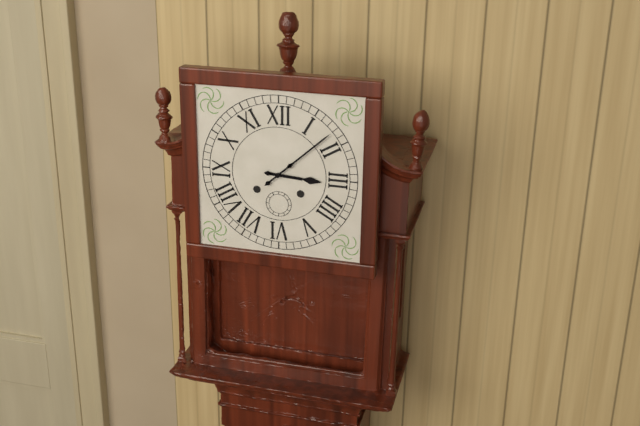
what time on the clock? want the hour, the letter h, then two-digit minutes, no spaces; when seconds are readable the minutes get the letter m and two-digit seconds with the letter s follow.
3h08
